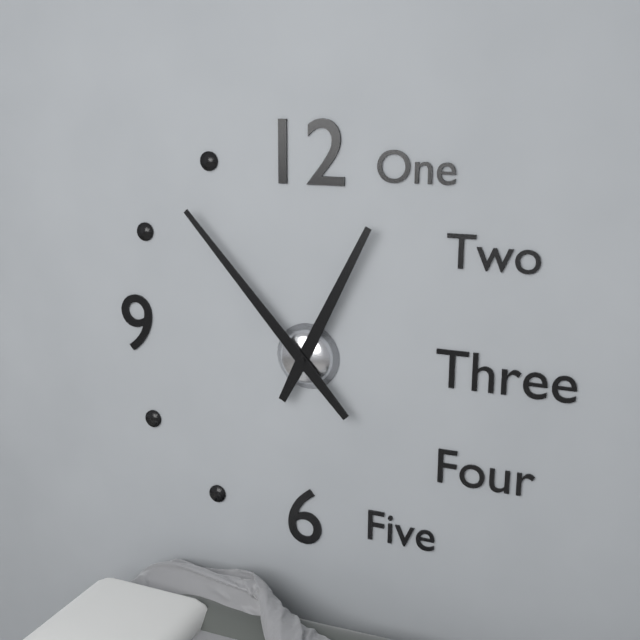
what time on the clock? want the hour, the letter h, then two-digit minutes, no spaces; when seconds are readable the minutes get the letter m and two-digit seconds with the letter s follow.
12h53
